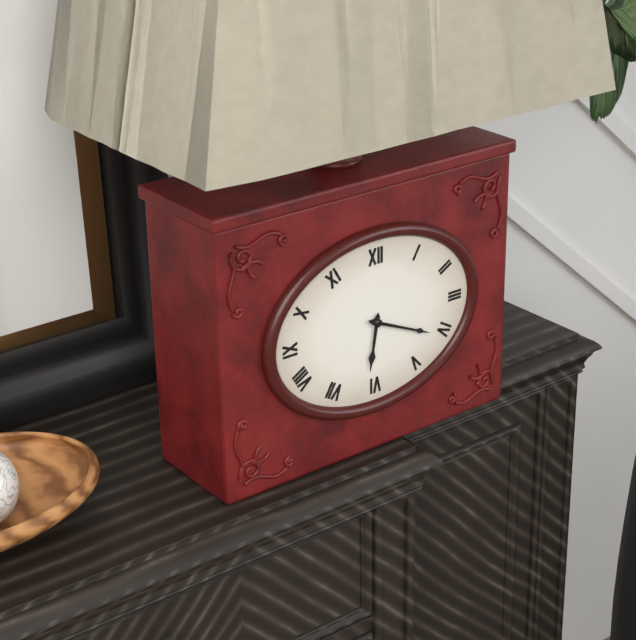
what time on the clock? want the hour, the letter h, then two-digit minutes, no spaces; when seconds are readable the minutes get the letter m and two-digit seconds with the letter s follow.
6h19
